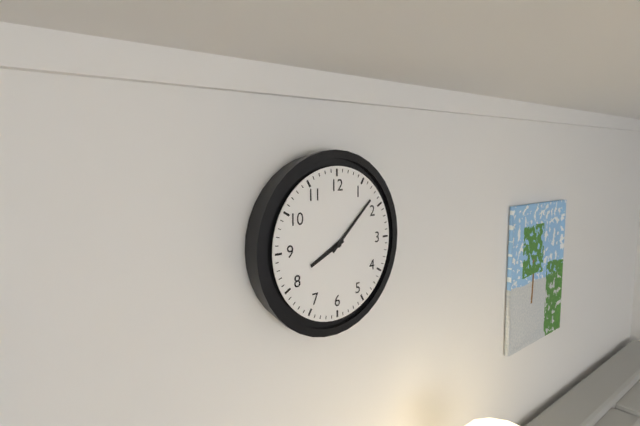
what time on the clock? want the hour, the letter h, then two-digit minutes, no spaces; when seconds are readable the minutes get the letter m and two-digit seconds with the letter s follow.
8h08
